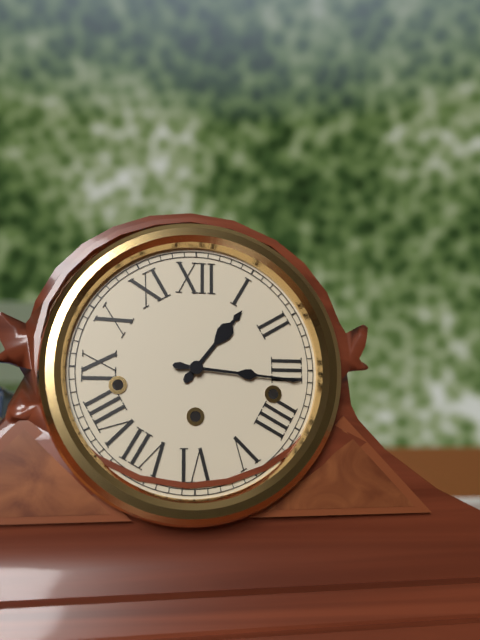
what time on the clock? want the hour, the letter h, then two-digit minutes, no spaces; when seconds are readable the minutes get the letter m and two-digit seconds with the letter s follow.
1h16
